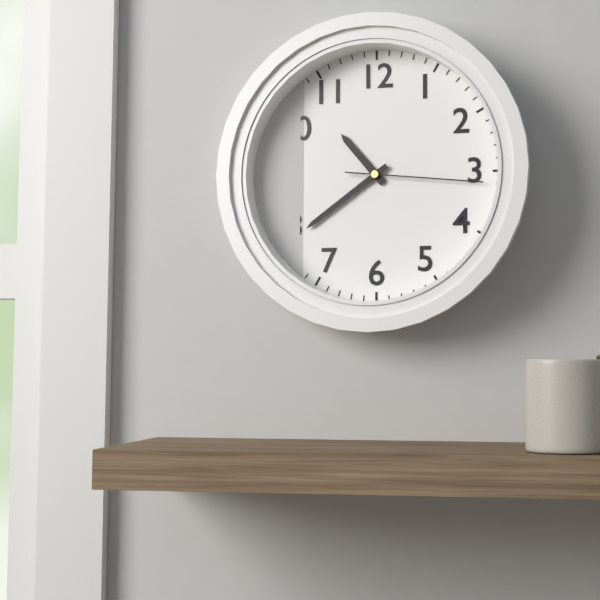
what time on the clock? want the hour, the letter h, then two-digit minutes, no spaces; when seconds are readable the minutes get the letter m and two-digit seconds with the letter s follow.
10h39m16s
